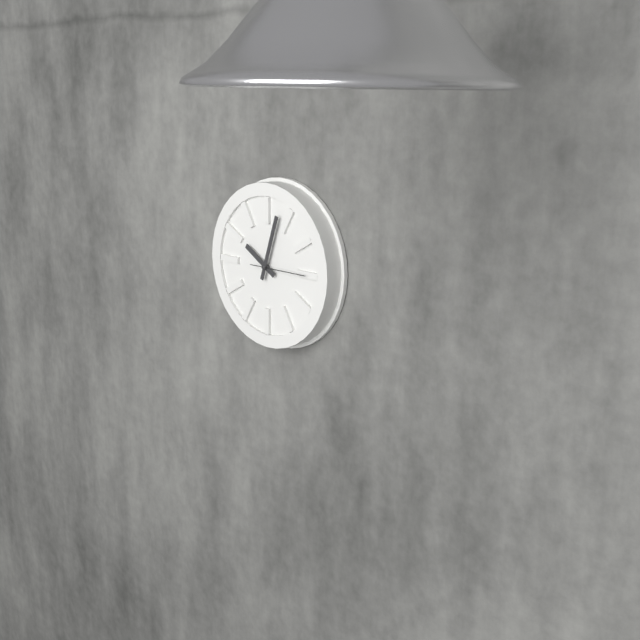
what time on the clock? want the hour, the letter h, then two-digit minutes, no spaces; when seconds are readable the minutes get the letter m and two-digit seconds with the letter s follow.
10h03m15s
